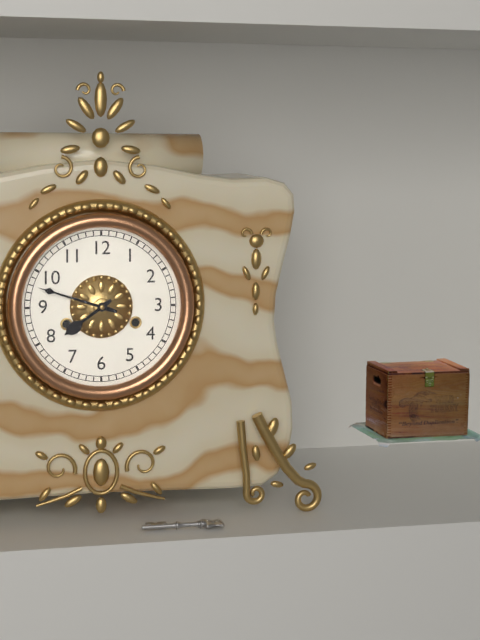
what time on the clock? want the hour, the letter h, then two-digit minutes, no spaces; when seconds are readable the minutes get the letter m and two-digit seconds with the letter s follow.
7h48
